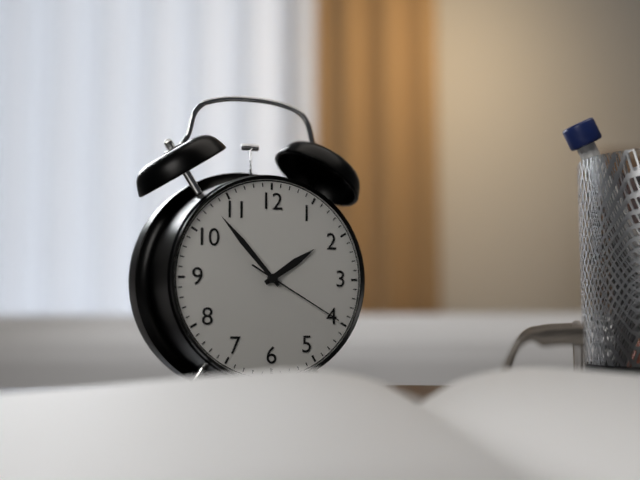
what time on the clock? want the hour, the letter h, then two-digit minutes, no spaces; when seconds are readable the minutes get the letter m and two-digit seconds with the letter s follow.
1h53m20s
